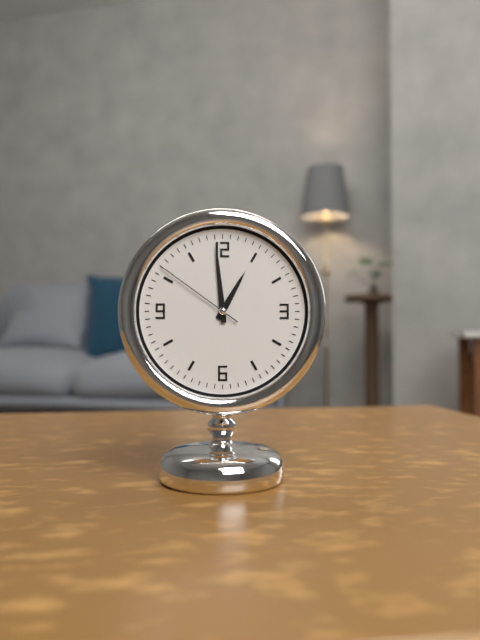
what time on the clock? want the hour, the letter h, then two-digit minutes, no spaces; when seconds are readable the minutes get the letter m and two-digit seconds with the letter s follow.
12h59m51s
